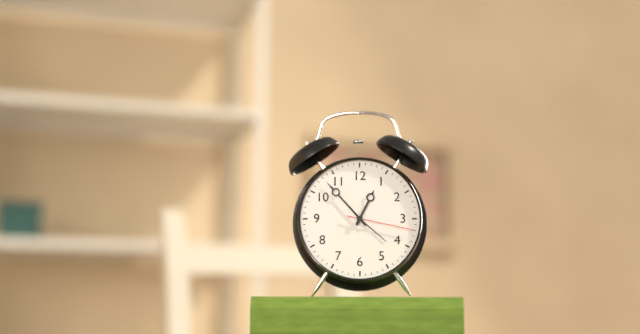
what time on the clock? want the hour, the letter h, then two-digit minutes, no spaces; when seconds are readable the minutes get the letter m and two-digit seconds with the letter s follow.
12h53m17s
